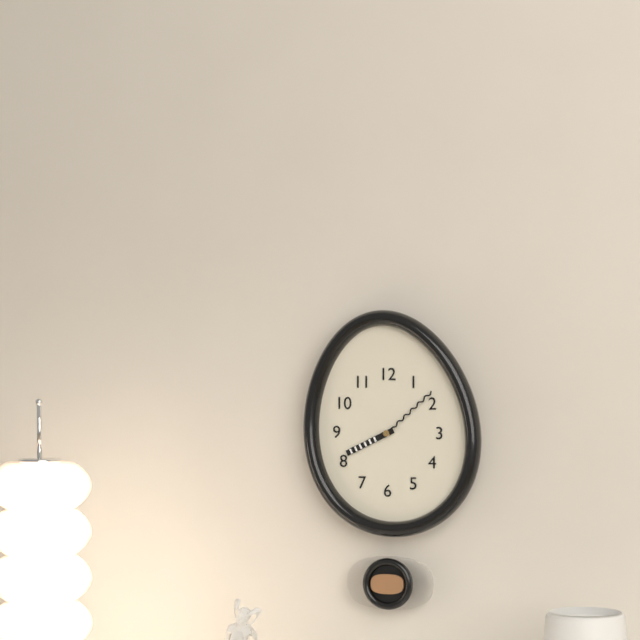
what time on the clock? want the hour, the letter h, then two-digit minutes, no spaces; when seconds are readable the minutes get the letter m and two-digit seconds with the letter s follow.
8h08
